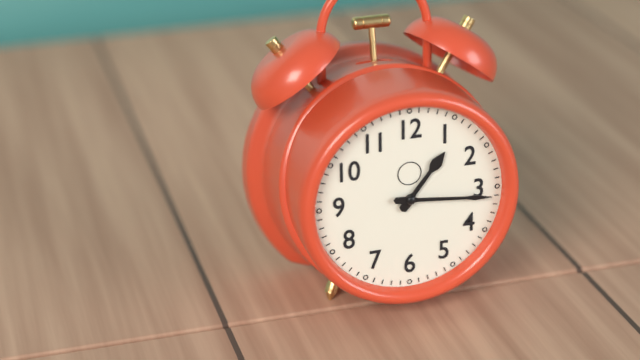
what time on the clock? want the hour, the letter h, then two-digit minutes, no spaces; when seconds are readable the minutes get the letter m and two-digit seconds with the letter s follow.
1h16
